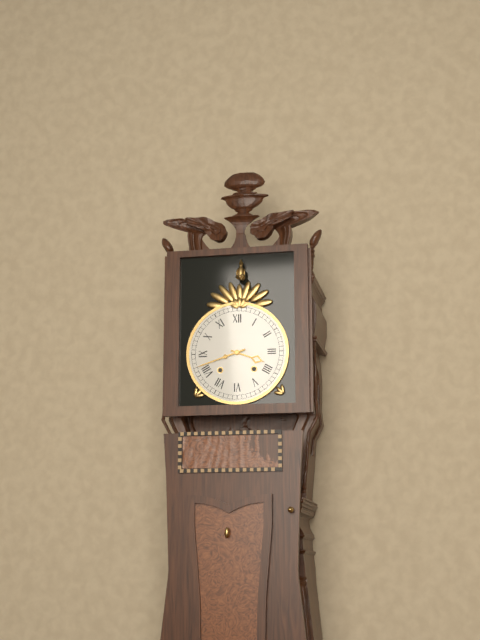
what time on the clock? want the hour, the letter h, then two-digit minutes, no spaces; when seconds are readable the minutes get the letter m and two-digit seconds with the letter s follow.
3h42
